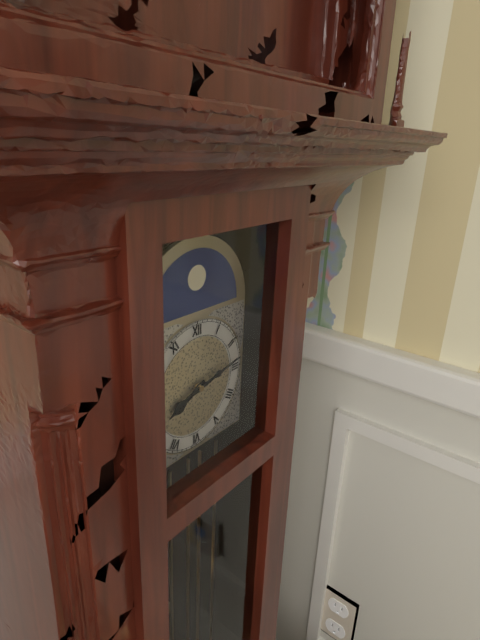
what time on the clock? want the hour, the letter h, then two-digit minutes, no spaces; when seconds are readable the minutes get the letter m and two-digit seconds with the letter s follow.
8h13
